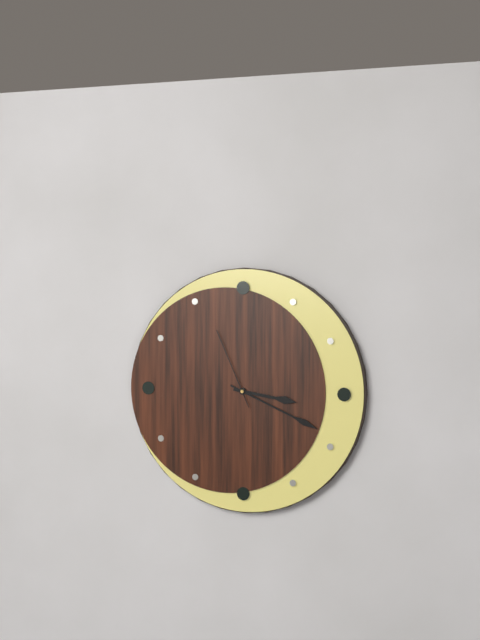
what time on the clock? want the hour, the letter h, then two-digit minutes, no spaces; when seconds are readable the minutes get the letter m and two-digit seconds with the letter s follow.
3h19m56s
